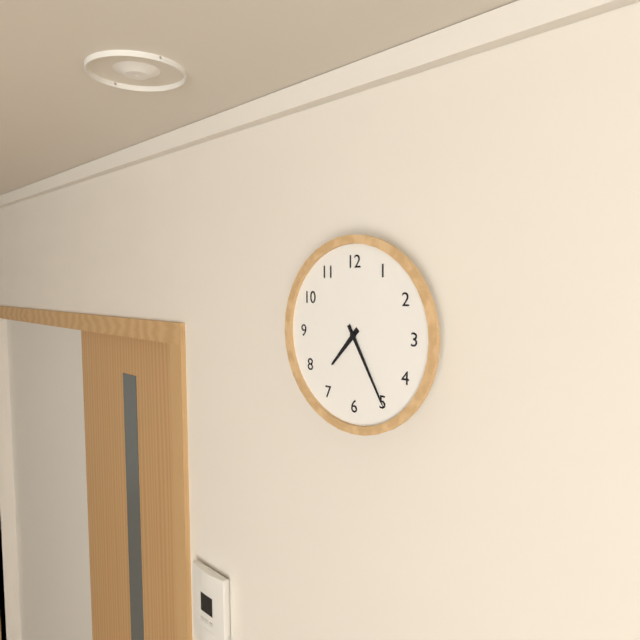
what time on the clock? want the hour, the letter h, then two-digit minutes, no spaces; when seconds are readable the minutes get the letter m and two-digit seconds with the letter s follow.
7h25
